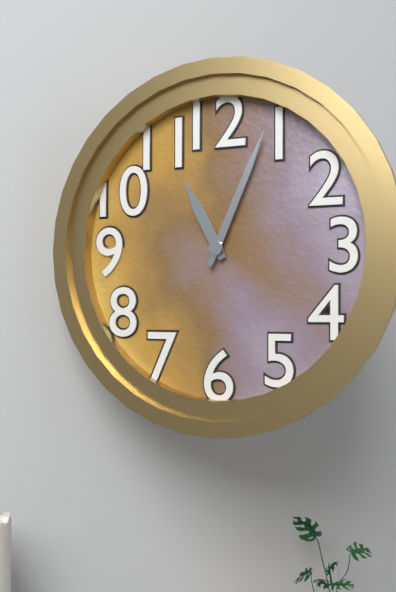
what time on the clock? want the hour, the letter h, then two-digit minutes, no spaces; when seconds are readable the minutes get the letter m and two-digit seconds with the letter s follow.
11h04
